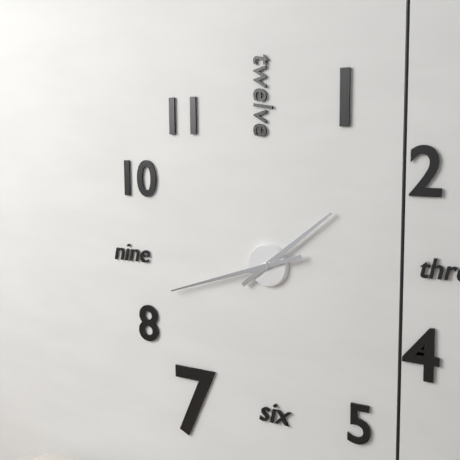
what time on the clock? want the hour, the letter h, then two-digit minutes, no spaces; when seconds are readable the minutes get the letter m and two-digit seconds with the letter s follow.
1h42
